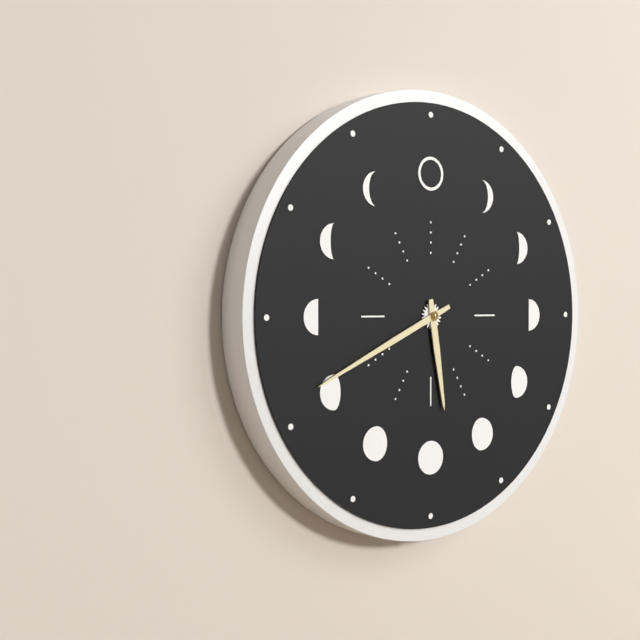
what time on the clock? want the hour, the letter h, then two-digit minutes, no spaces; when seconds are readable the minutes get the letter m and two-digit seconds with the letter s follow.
5h41
